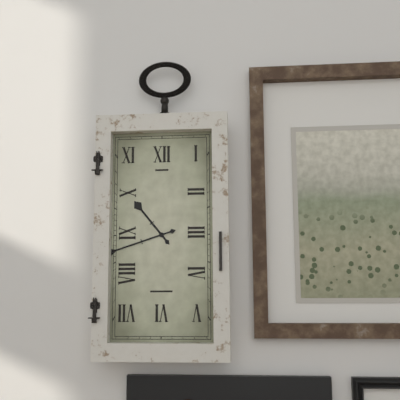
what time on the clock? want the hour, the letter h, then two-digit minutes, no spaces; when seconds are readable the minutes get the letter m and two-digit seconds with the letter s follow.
10h42
